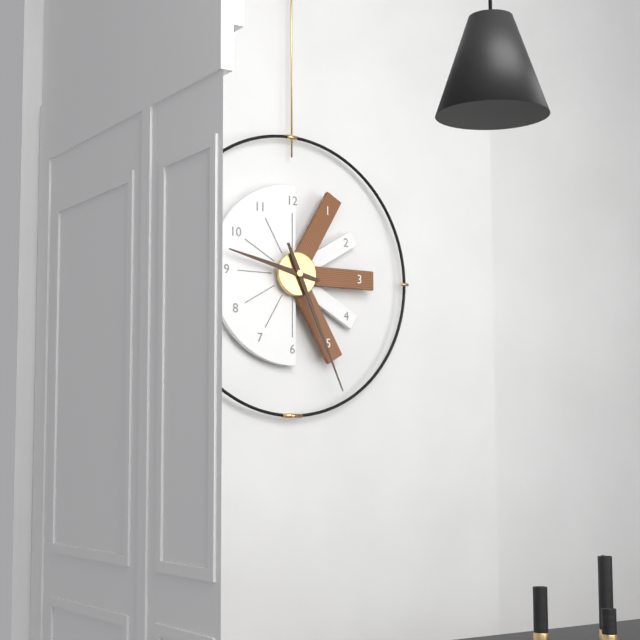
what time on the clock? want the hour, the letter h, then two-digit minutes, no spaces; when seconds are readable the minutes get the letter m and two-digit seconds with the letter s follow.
9h26
